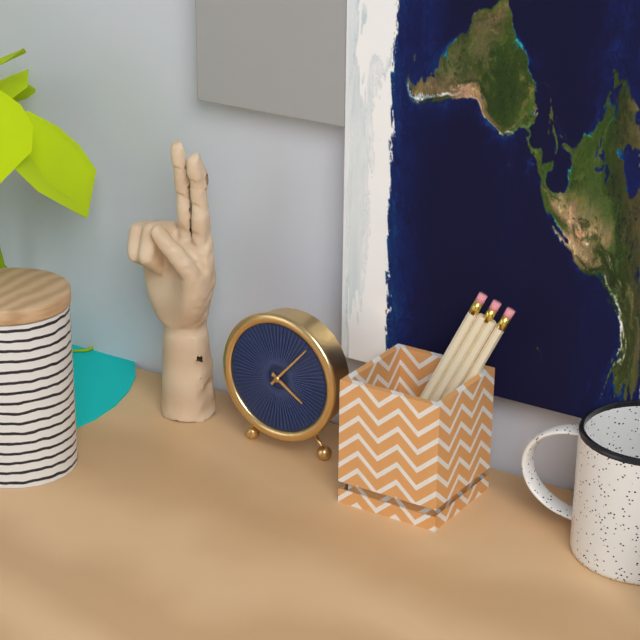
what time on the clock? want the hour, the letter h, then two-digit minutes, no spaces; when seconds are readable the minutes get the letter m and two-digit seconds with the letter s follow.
4h07
